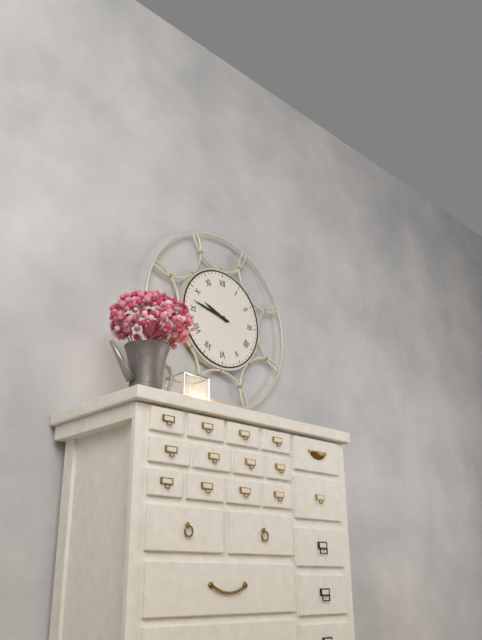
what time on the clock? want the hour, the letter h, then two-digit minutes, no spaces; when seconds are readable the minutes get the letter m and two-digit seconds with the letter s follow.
9h47
